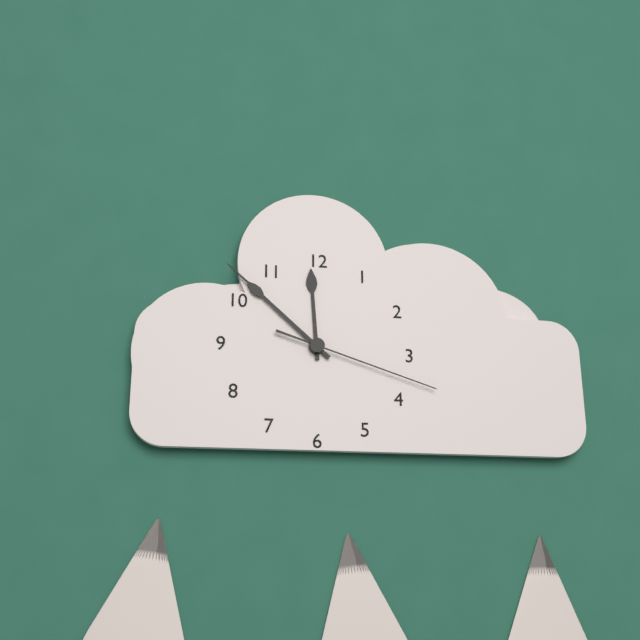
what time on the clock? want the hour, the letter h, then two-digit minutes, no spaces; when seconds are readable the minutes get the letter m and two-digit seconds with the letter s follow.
11h52m18s
